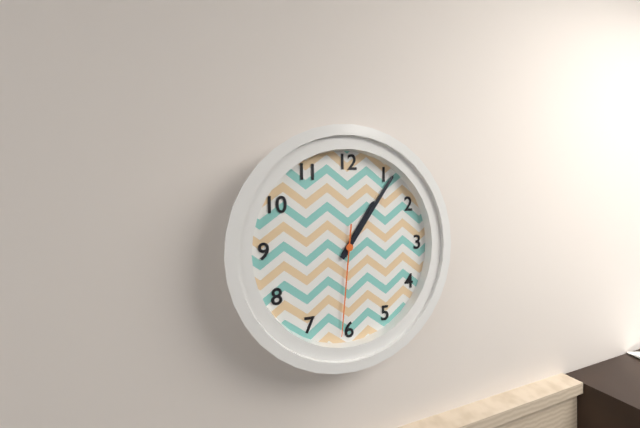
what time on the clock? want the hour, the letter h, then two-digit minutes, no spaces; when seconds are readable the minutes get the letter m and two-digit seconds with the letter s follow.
1h06m31s
